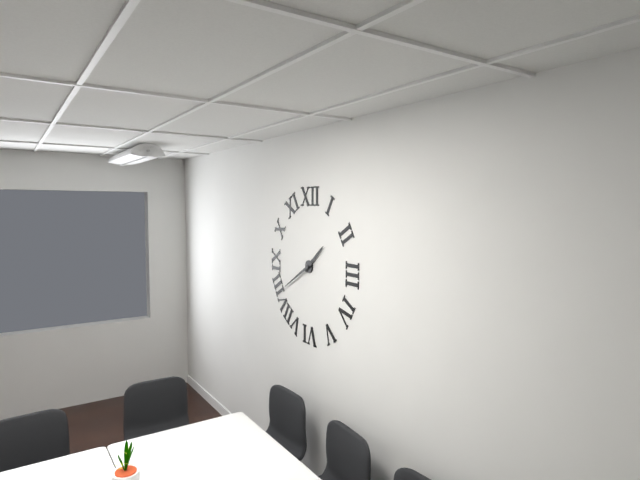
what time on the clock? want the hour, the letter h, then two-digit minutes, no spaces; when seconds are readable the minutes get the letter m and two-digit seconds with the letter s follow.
1h40
